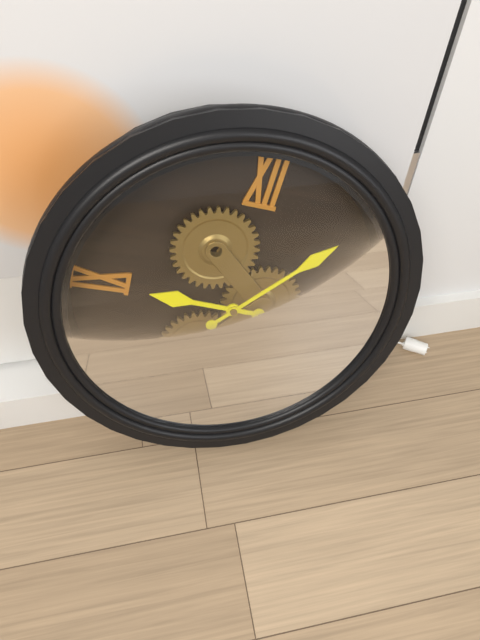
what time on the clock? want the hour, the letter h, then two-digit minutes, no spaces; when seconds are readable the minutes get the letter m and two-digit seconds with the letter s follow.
9h07
